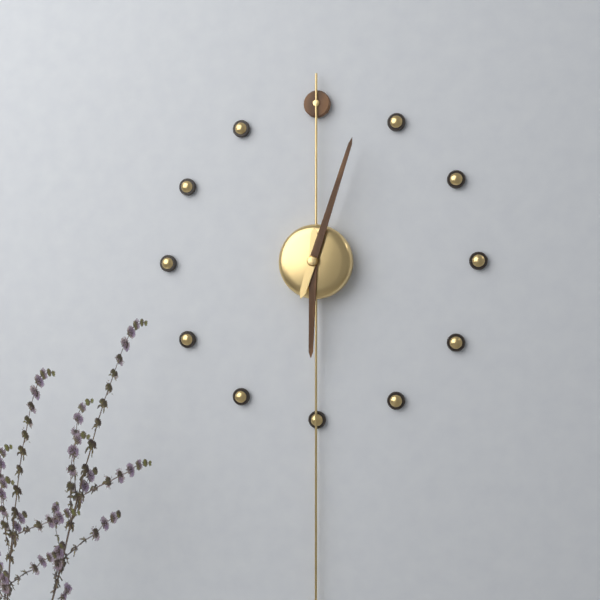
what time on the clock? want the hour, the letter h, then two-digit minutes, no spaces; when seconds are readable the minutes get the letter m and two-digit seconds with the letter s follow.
6h03
